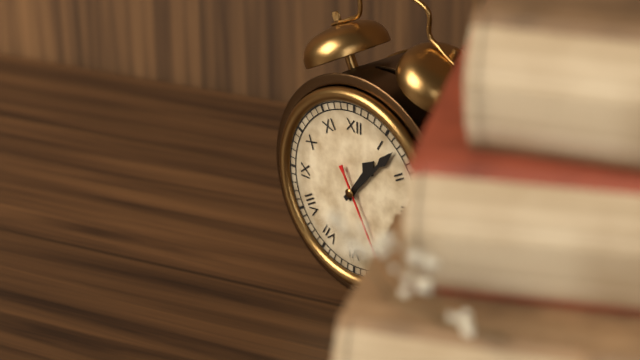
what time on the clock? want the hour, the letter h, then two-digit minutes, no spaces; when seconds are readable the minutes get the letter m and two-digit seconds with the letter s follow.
1h07
